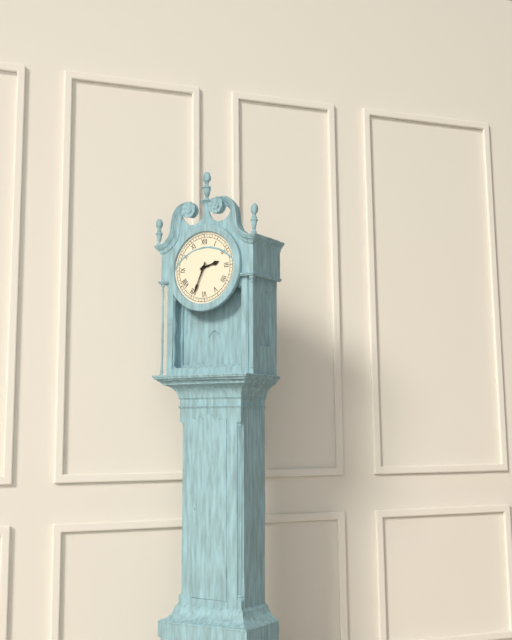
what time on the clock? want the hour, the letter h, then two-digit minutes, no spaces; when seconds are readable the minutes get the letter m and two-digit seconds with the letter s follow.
2h34
